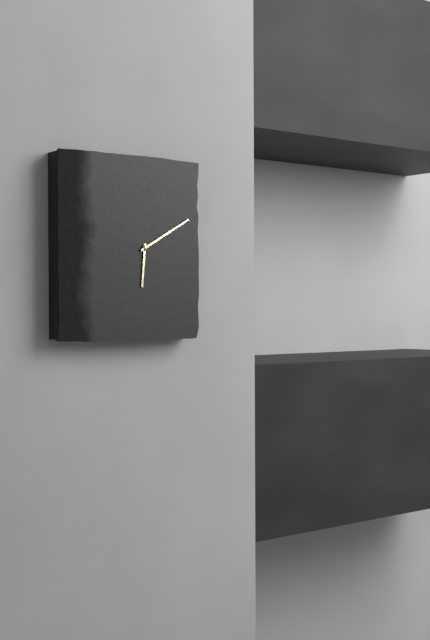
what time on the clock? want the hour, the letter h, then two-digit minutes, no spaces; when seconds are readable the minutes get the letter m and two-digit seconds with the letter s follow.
6h10
